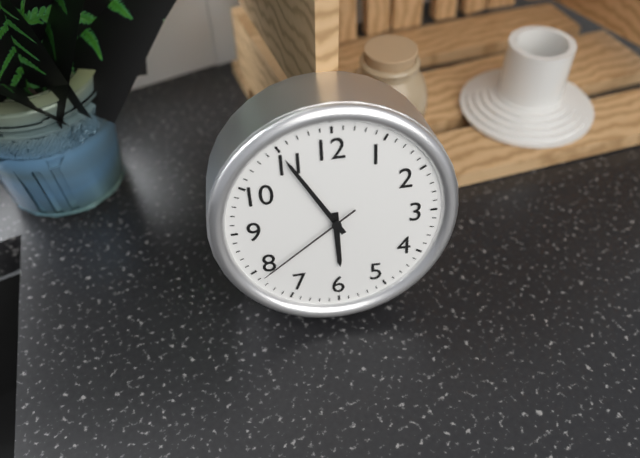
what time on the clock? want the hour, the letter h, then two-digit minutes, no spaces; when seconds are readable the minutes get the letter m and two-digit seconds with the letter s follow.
5h55m39s
